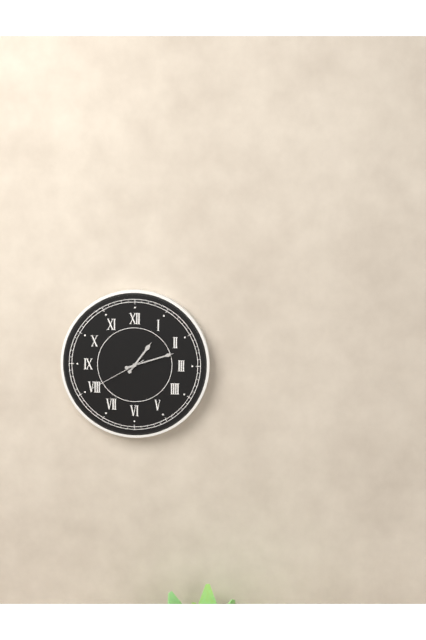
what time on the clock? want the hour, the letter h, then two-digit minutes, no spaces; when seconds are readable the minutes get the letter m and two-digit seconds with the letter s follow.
1h12m40s
